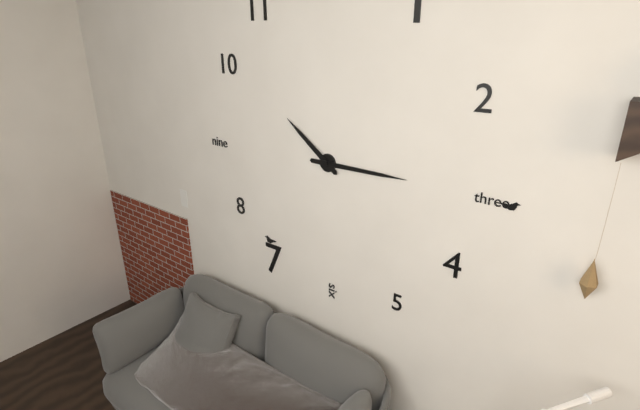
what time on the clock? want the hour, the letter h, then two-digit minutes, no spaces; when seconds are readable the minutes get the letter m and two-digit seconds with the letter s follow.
10h15
